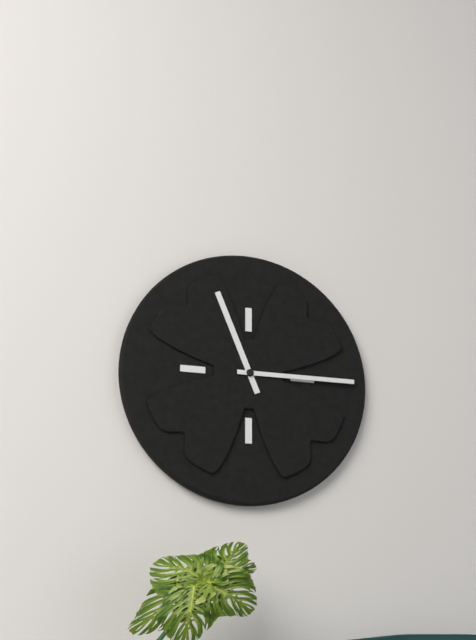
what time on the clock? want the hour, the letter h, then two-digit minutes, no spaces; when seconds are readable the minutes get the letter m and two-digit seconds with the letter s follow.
11h15
